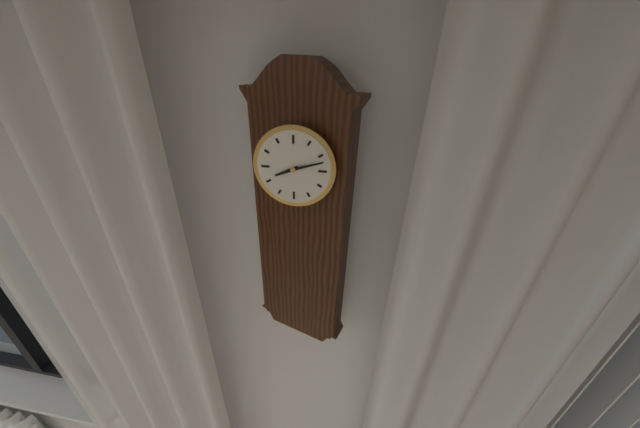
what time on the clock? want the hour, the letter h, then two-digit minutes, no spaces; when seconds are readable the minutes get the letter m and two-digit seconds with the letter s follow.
8h12
